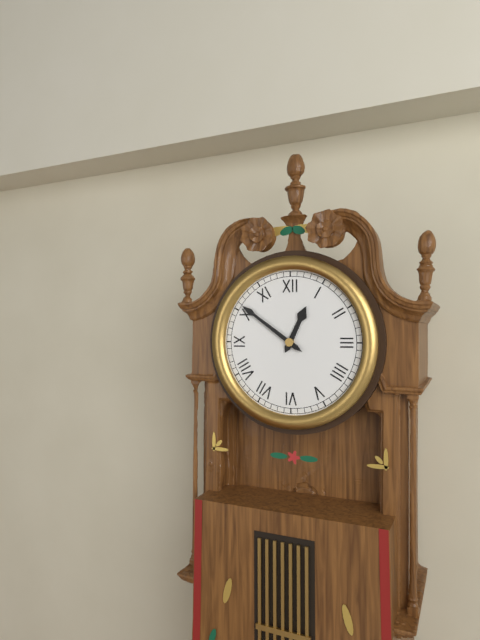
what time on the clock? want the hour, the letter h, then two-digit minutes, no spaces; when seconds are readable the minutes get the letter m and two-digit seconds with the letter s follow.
12h51
